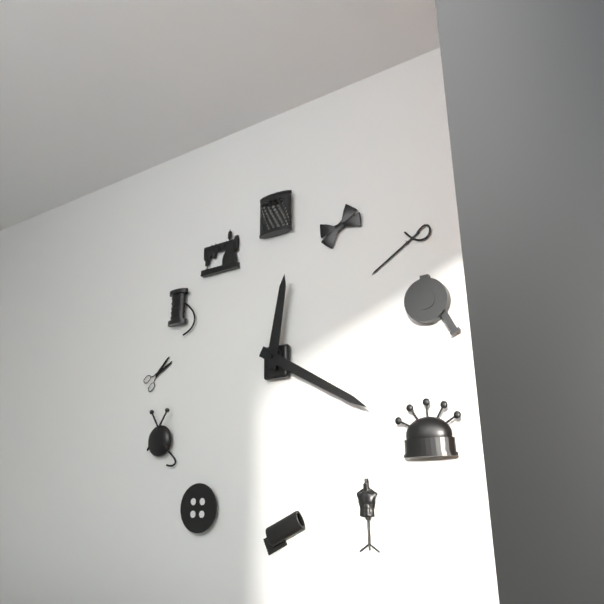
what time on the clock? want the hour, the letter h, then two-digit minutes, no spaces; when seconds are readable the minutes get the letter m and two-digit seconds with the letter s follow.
12h20
